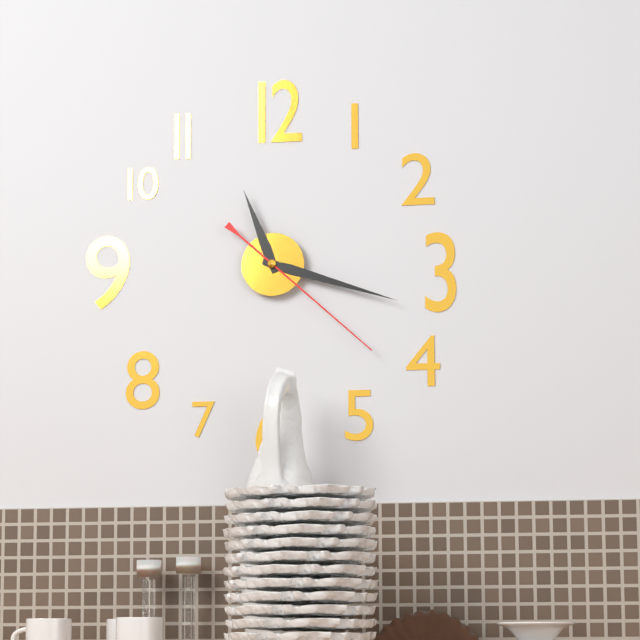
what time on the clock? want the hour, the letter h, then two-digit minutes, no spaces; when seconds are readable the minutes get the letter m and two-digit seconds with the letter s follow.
11h18m22s
